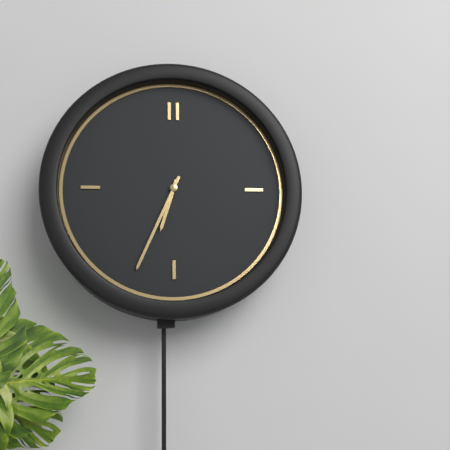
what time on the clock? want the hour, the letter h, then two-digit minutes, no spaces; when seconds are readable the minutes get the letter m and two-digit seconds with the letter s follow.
6h34
